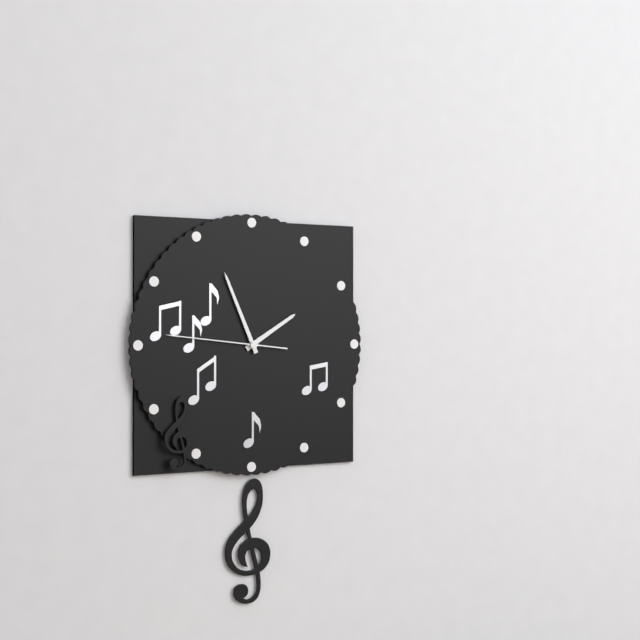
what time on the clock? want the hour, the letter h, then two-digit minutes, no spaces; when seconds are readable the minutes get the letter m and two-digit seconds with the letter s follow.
1h56m46s
